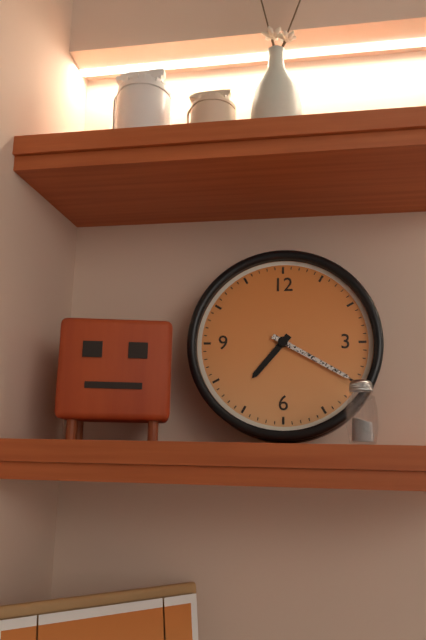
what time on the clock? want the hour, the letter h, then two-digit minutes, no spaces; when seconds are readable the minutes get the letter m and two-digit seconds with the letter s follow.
7h20
